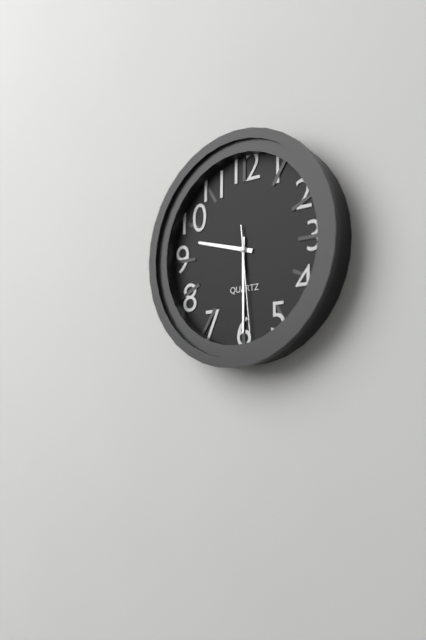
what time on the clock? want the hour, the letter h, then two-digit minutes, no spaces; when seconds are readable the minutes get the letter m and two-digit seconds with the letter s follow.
9h30m29s
